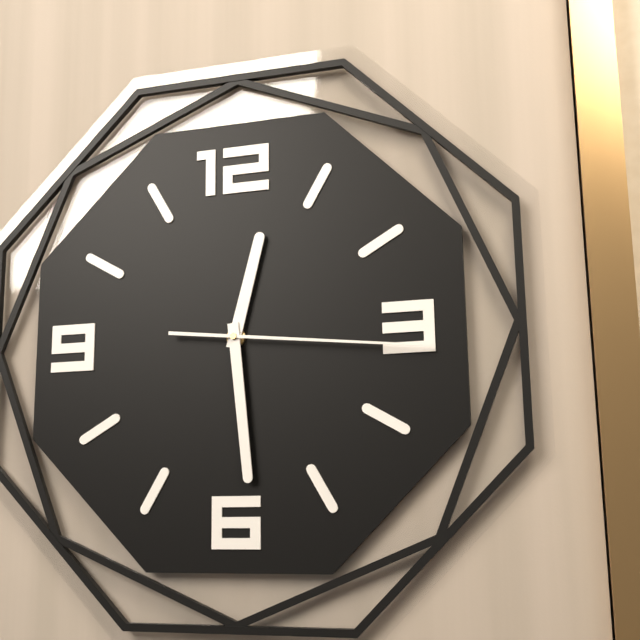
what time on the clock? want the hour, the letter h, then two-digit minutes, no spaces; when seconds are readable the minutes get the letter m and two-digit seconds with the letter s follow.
12h29m16s
